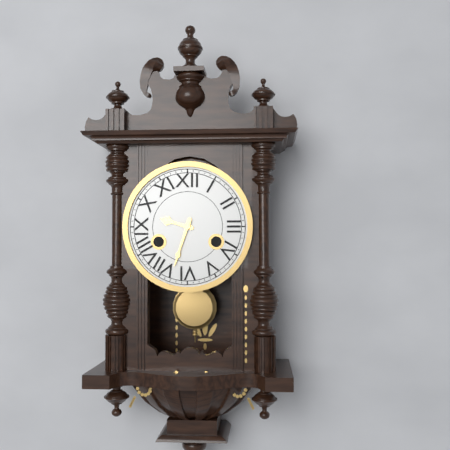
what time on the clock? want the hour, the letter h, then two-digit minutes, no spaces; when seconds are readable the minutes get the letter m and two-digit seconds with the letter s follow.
9h33
